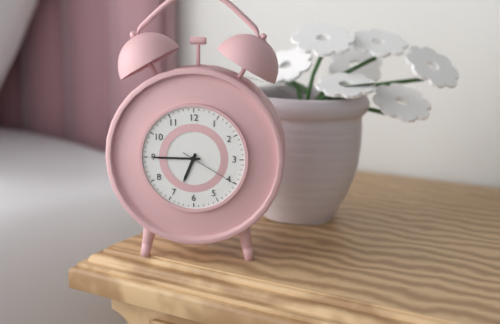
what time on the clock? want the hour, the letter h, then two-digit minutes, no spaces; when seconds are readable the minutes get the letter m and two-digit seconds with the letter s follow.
6h45m20s
